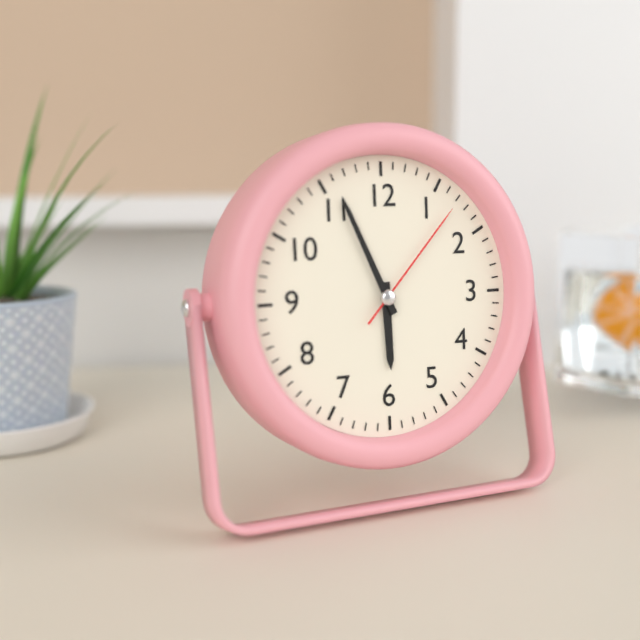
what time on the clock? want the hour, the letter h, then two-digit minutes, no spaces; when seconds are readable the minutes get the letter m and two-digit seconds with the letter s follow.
5h56m07s
